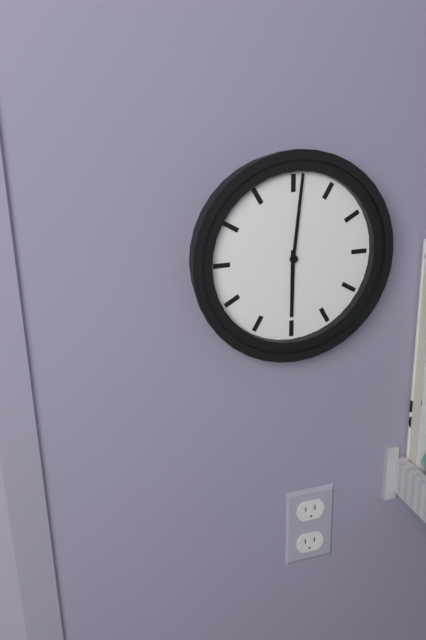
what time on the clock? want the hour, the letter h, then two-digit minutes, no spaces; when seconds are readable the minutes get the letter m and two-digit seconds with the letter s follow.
6h01
